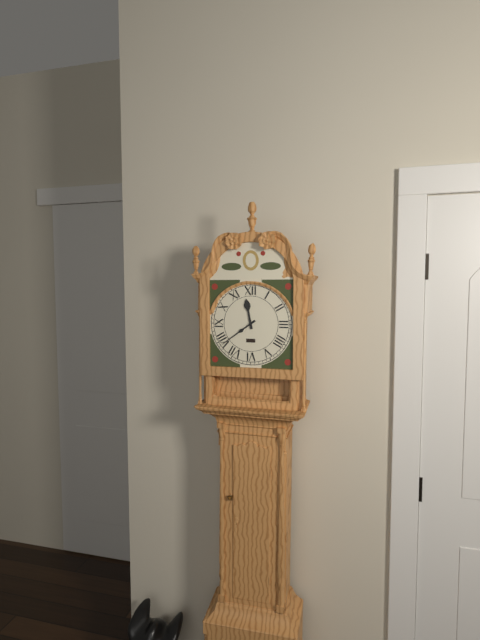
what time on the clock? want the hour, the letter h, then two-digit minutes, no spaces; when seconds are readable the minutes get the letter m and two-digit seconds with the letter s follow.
11h39
